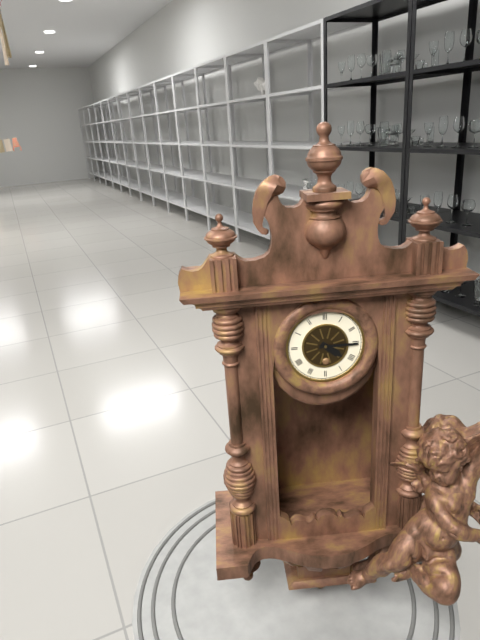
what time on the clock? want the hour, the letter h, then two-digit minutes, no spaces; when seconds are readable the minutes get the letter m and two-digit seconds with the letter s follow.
4h15
